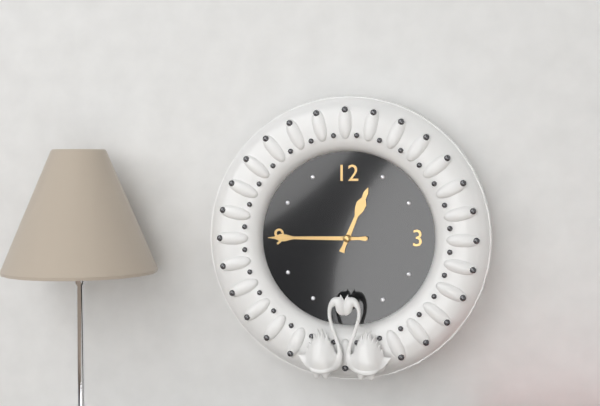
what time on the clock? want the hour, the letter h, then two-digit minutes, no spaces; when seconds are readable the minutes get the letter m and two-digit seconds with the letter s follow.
12h45m45s
